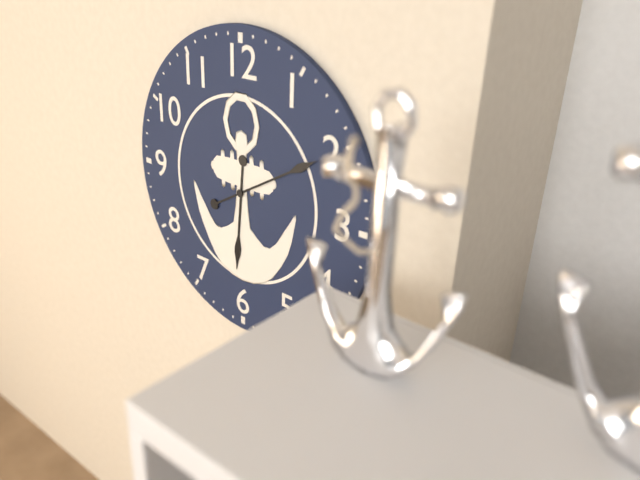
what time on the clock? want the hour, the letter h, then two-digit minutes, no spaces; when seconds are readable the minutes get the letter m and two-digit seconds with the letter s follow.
6h10
